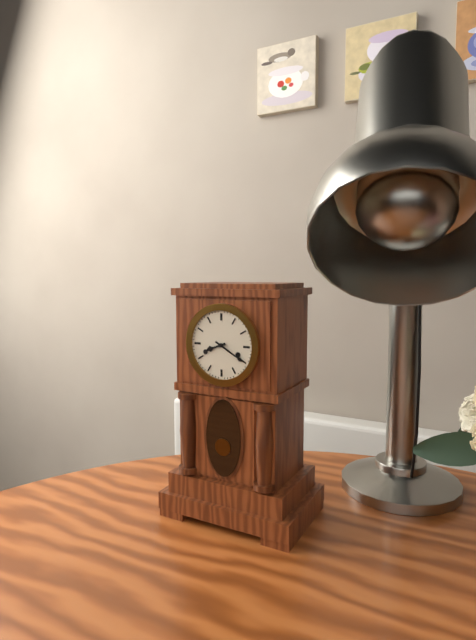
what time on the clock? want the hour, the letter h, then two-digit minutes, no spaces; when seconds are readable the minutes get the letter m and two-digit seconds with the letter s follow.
8h20
